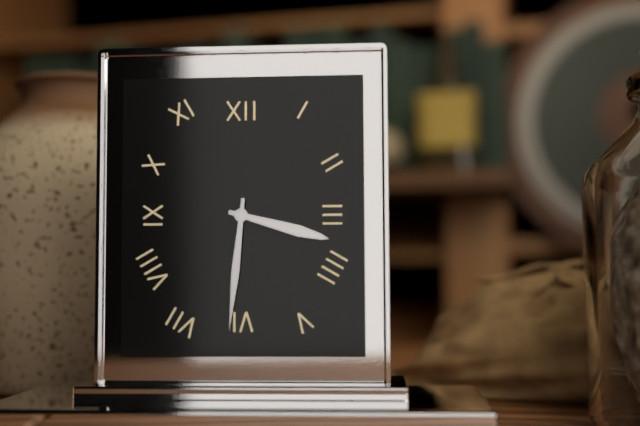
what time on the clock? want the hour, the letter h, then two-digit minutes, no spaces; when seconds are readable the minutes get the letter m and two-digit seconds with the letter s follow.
3h31
